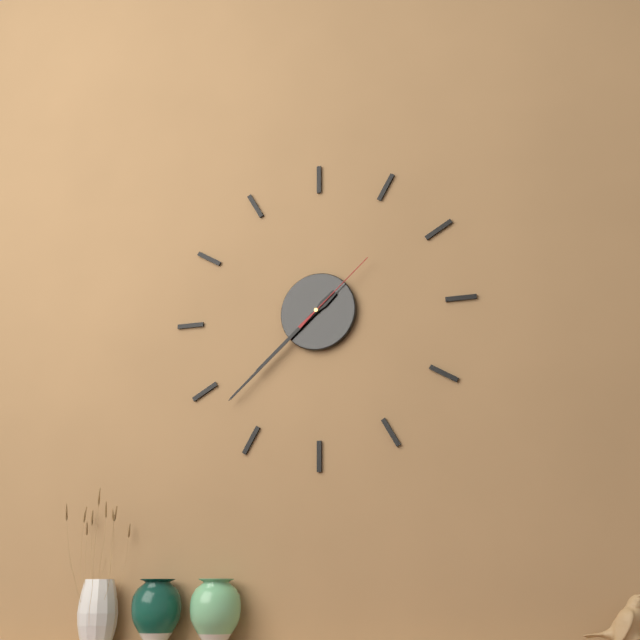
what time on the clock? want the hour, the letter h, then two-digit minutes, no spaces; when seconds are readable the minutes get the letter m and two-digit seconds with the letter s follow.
7h38m08s
